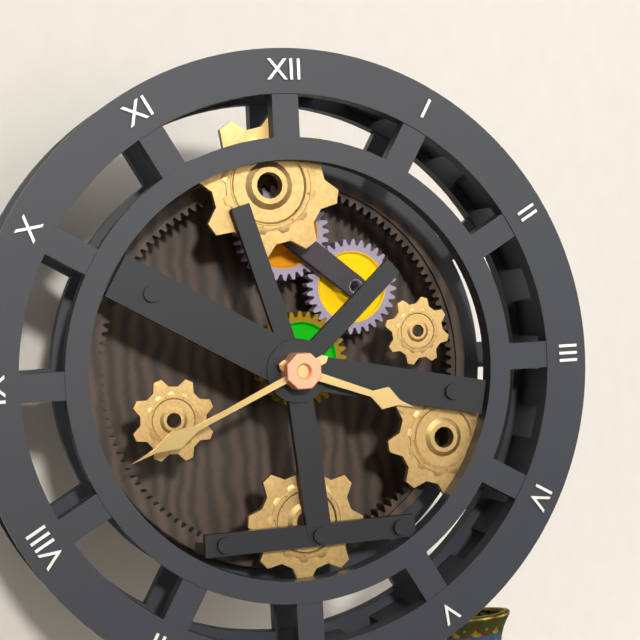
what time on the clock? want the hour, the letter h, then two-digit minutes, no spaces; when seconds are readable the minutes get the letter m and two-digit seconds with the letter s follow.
3h41
